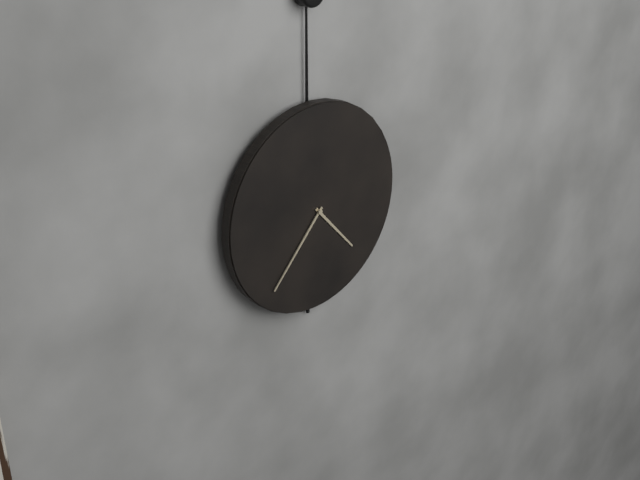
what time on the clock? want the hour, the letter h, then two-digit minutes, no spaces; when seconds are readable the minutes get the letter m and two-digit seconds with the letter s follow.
4h37
